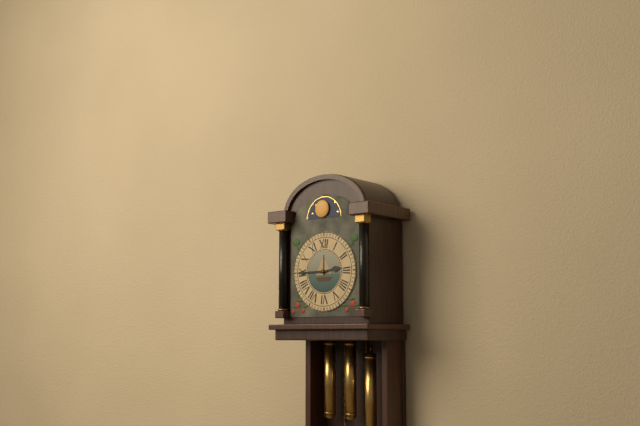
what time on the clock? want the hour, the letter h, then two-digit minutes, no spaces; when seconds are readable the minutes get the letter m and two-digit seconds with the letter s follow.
2h45
